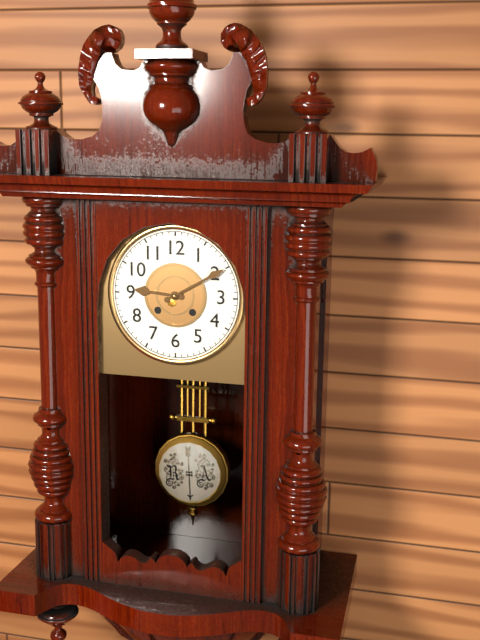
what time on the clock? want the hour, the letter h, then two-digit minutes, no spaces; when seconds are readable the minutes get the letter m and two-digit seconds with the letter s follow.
9h10
